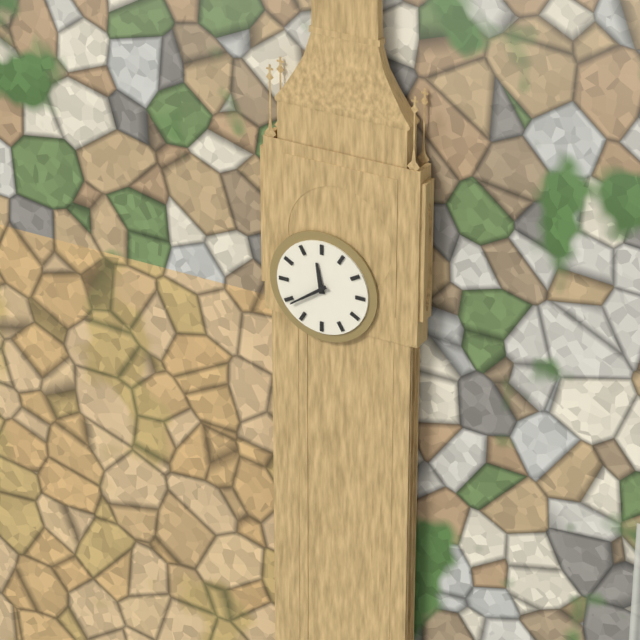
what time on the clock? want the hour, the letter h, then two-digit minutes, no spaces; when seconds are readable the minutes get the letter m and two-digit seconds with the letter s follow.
11h39
